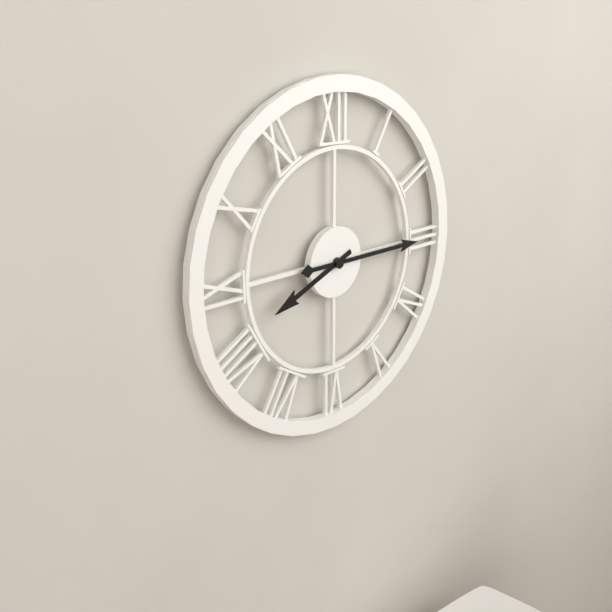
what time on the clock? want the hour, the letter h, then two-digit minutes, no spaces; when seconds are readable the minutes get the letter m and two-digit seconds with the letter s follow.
8h15
